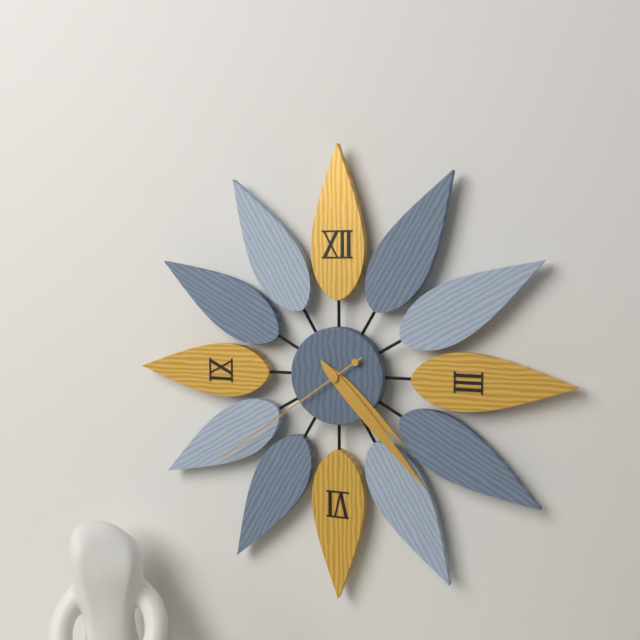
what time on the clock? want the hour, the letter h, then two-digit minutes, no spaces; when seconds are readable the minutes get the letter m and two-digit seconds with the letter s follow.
4h23m39s
